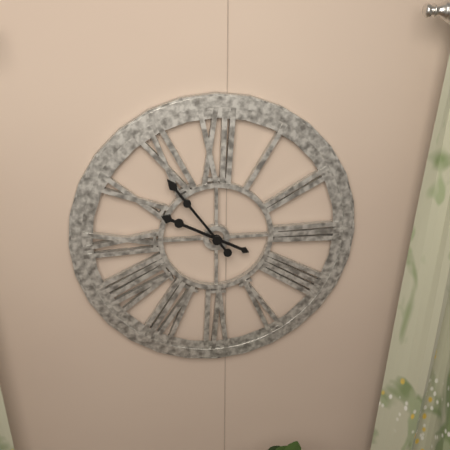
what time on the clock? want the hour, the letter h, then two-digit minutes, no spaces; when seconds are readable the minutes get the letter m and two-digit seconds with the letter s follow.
9h54
